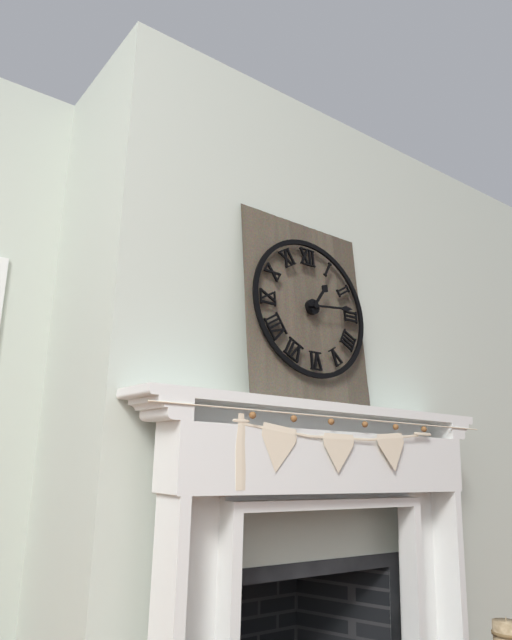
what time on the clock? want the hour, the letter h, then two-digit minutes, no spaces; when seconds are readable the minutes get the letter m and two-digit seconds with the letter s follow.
1h14
